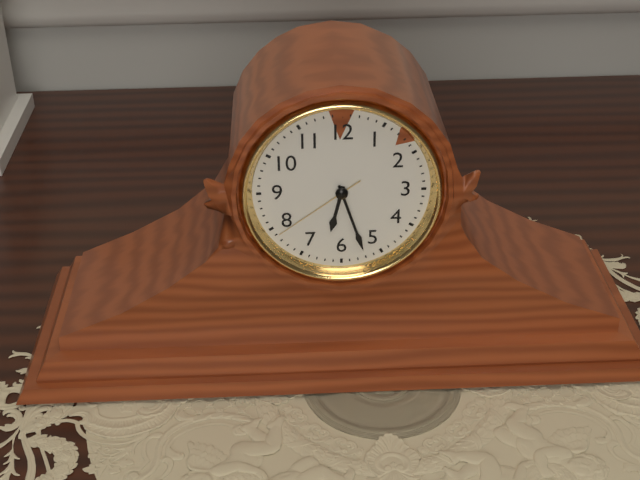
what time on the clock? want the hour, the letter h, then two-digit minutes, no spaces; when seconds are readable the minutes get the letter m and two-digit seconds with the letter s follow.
6h27m39s
